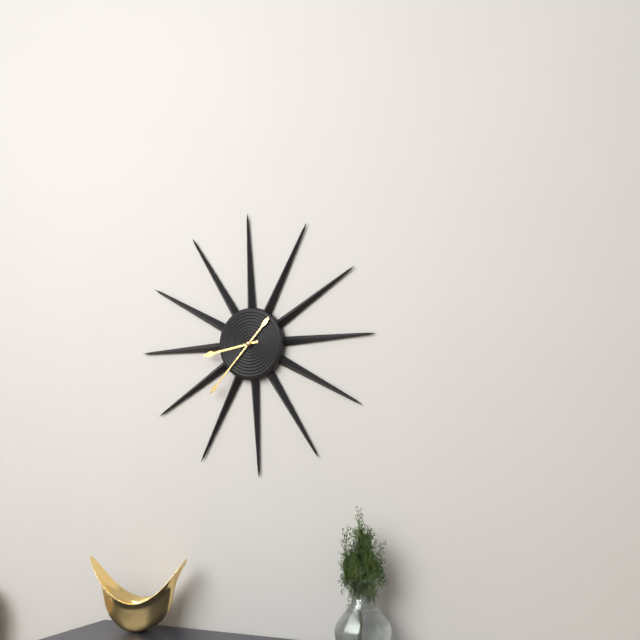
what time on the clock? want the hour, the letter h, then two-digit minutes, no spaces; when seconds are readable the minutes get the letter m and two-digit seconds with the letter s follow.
8h37
